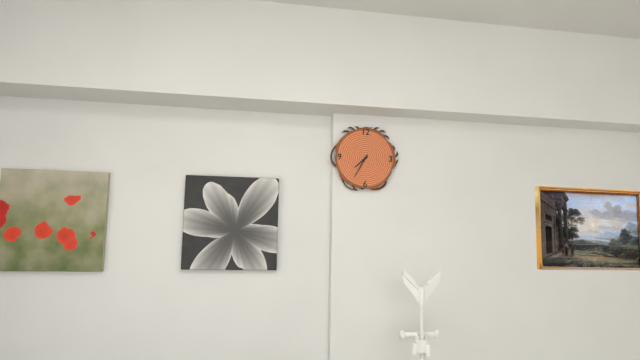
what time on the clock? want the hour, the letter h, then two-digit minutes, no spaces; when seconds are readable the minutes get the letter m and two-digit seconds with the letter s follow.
7h35
